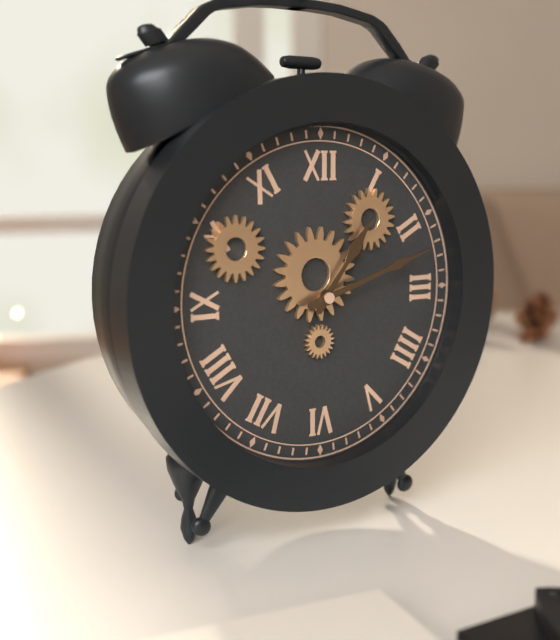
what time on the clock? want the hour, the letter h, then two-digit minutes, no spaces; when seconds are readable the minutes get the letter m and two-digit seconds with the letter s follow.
1h12
